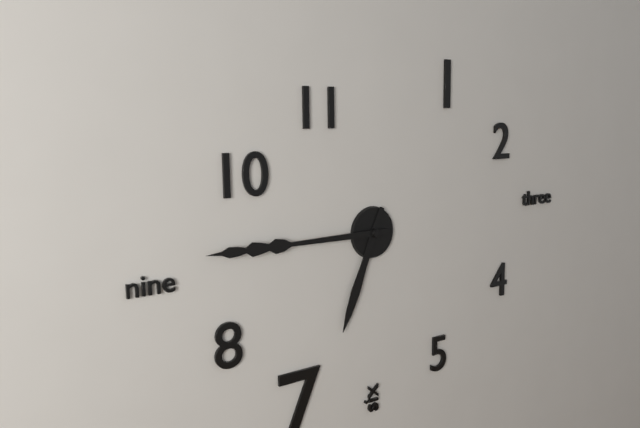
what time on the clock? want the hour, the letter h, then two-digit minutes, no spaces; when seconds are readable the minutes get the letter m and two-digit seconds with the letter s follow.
6h45
